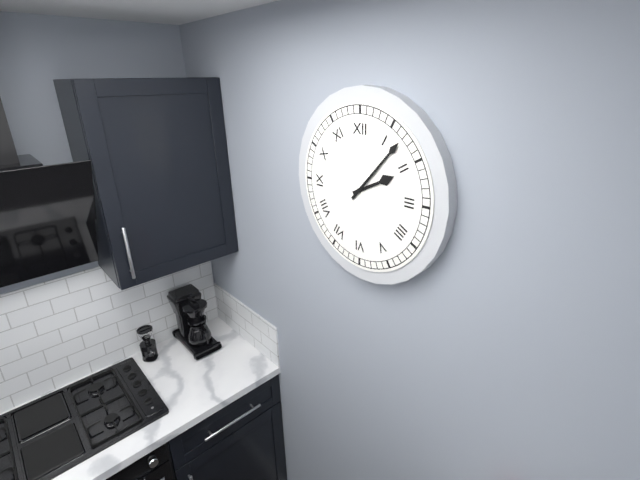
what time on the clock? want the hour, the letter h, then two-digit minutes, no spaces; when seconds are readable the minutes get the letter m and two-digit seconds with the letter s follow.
2h07
